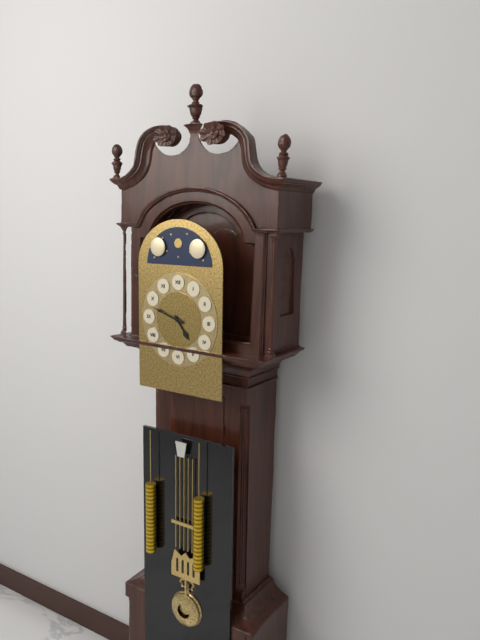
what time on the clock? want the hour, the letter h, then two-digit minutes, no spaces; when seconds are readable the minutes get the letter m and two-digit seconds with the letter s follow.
4h48
